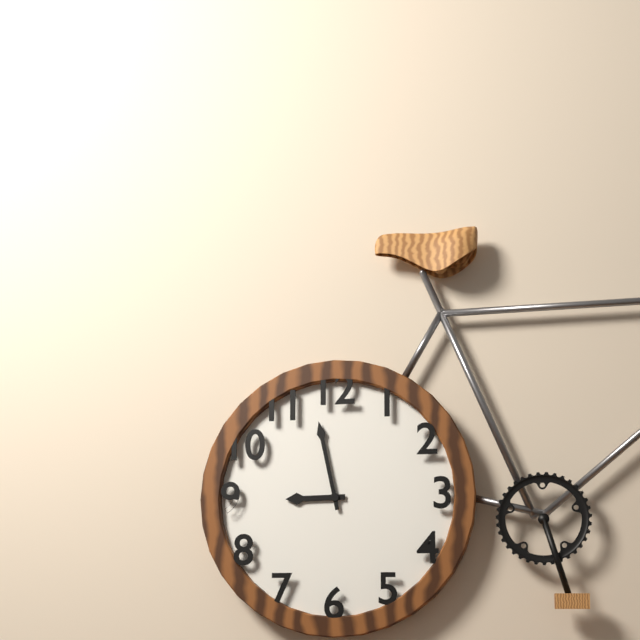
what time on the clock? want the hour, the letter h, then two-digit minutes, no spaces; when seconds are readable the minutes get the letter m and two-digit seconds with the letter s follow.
8h58
